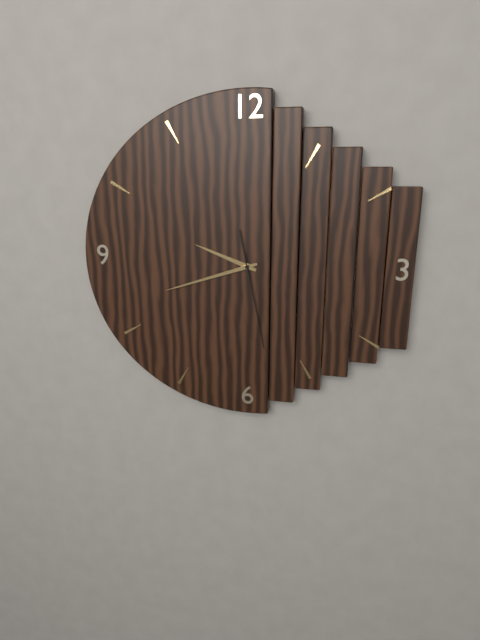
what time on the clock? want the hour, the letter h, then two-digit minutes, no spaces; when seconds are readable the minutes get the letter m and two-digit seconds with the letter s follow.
9h42m28s
